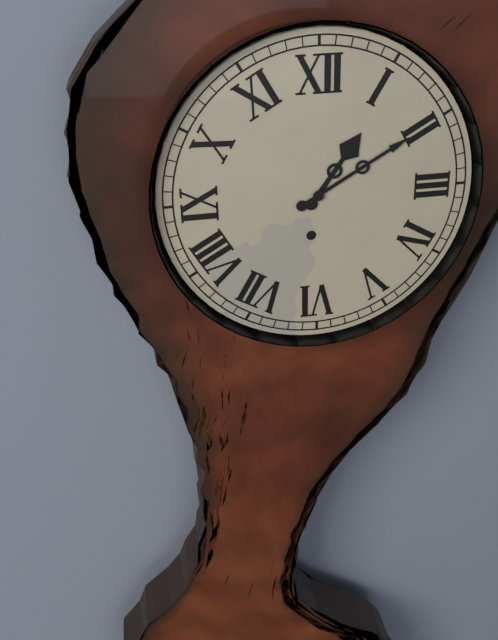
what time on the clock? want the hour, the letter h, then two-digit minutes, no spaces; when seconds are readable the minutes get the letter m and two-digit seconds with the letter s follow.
1h10
